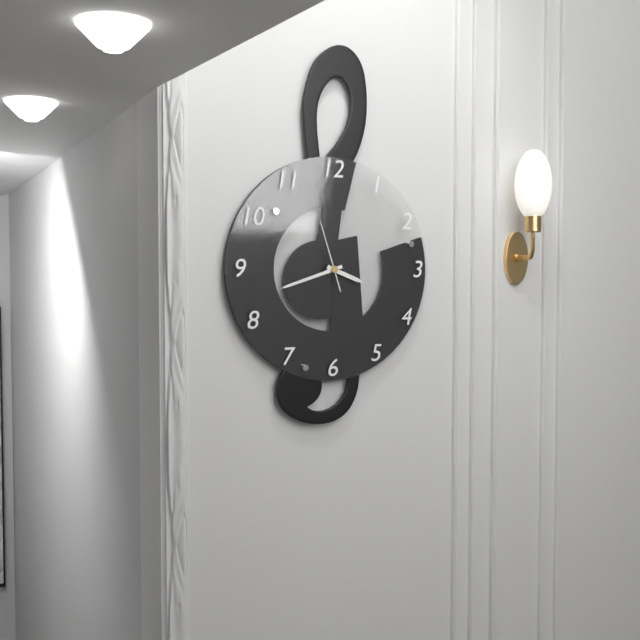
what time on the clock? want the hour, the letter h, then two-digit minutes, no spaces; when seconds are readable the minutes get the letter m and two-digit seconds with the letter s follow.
3h42m57s
